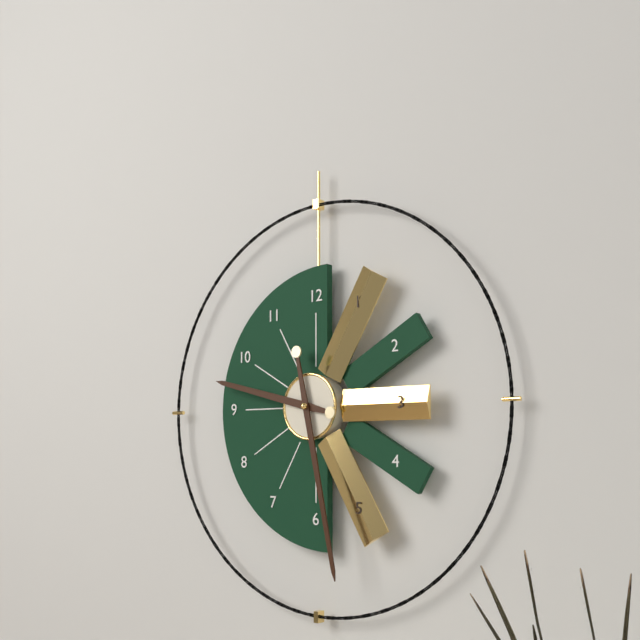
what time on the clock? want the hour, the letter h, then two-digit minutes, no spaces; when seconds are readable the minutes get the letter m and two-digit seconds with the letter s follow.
9h28
